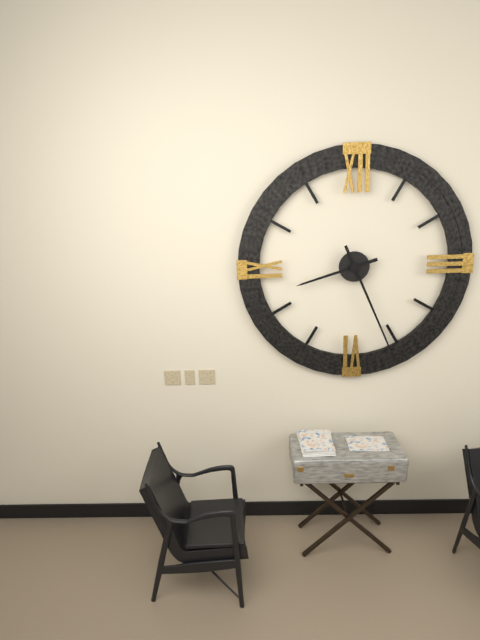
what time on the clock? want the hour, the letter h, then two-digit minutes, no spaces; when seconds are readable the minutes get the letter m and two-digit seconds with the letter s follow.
8h26
